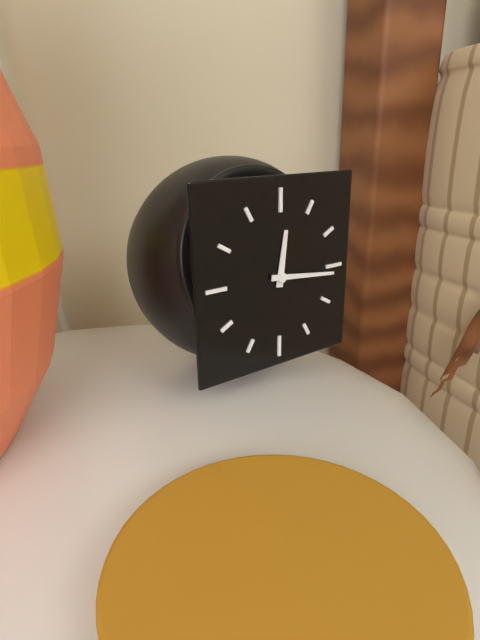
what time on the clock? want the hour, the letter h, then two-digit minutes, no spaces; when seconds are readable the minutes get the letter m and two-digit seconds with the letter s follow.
12h16
